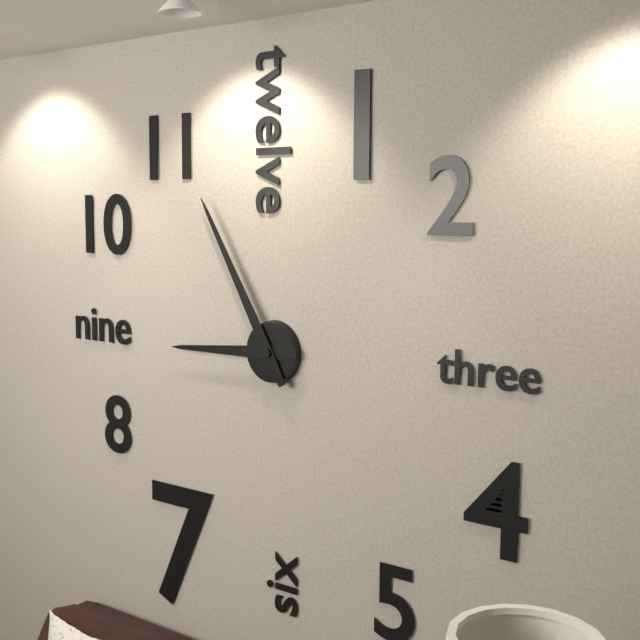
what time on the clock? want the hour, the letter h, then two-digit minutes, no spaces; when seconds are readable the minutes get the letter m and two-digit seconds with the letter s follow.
8h55
